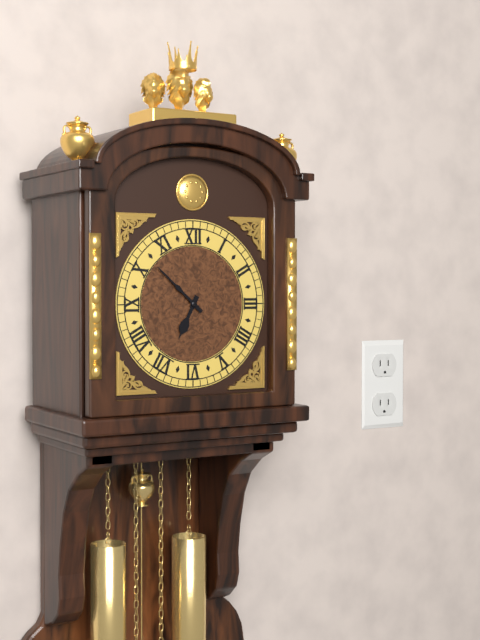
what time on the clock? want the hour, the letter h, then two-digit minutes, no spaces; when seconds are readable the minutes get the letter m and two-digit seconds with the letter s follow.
6h52
